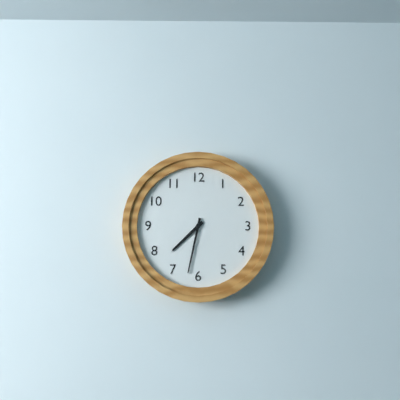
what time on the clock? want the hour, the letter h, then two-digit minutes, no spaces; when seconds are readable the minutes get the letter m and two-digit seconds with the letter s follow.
7h32
